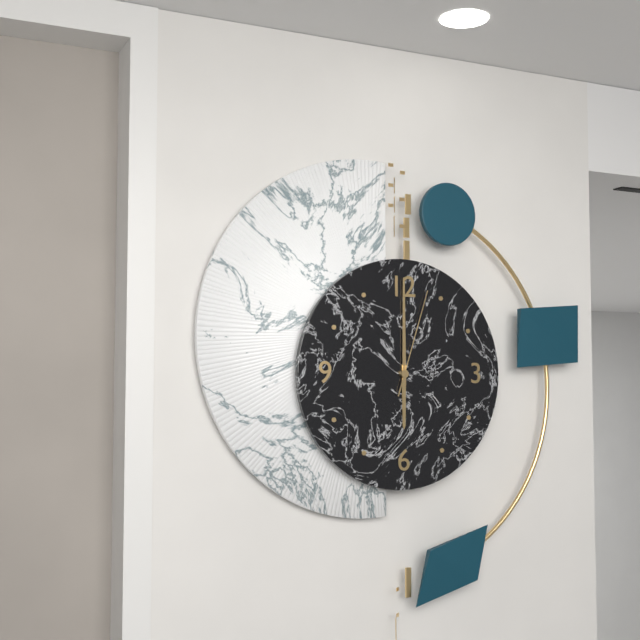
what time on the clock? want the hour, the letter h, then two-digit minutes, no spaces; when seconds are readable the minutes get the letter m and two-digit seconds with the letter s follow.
6h00m03s
